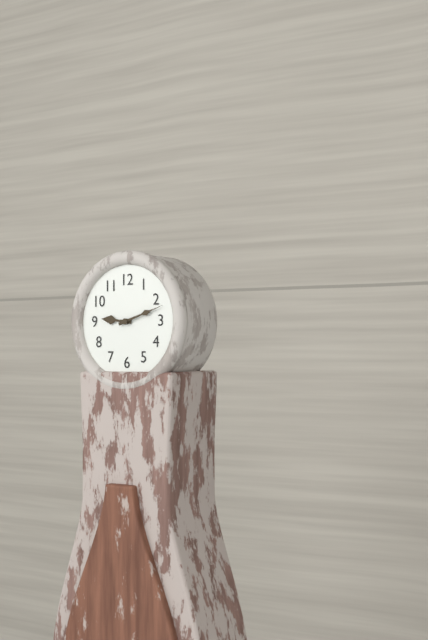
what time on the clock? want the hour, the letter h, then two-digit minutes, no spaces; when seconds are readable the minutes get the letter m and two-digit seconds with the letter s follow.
9h12
